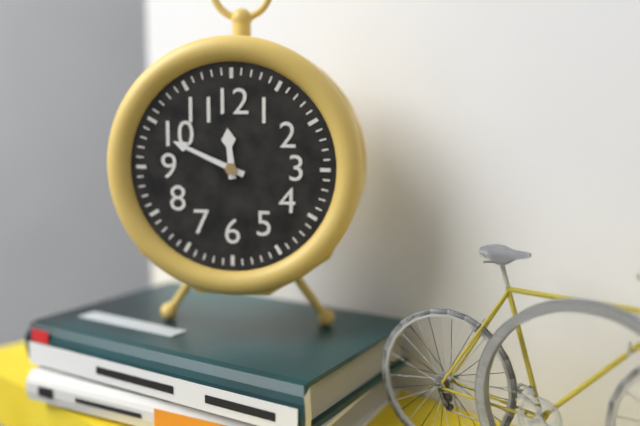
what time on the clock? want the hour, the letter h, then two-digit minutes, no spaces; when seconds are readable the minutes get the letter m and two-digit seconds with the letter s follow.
11h49
